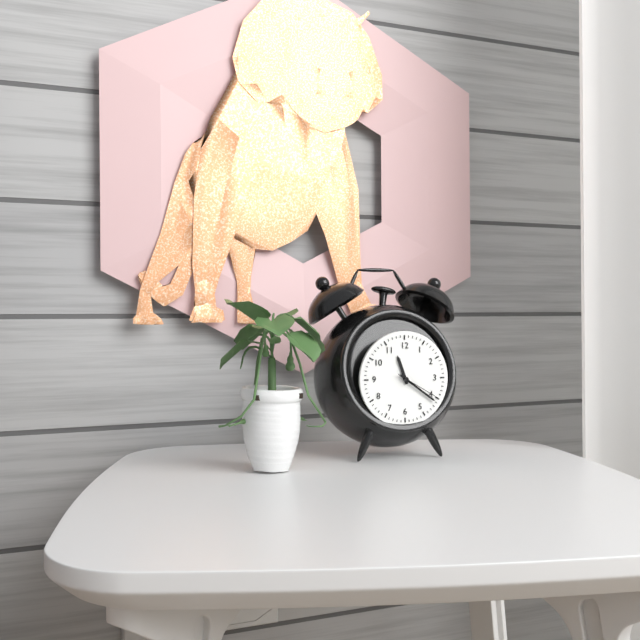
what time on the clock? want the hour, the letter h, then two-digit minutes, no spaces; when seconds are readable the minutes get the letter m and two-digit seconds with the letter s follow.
11h21
